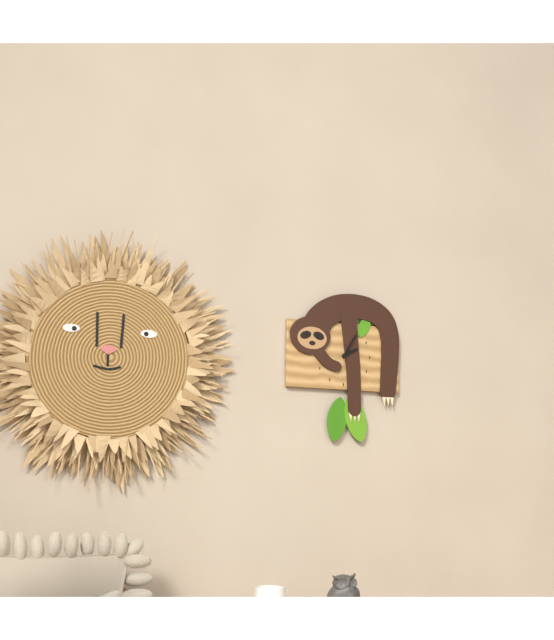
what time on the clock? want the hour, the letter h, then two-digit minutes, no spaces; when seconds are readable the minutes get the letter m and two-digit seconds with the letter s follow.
2h05
